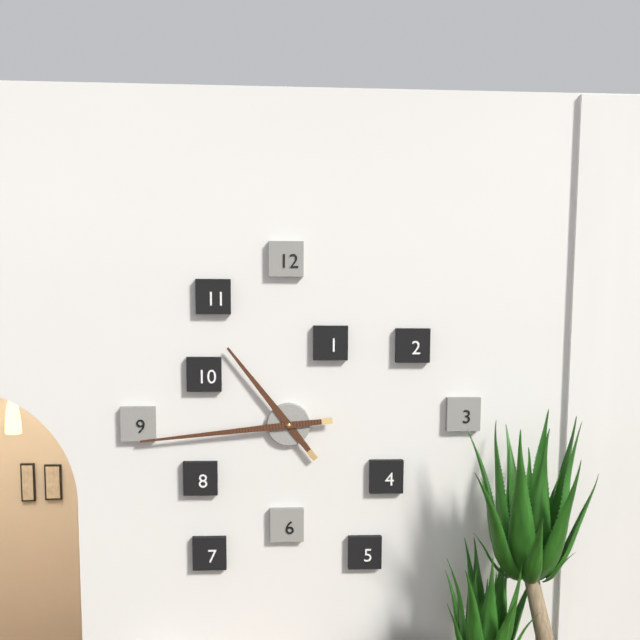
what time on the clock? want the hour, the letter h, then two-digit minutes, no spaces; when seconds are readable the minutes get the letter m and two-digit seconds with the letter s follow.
10h44
